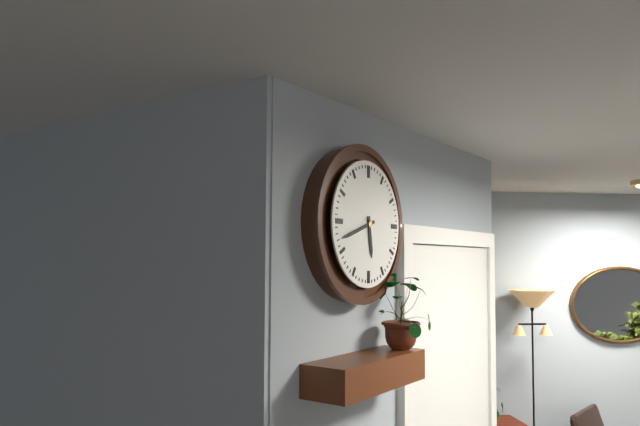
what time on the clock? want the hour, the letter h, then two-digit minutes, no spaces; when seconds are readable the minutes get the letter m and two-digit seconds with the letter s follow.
5h42
